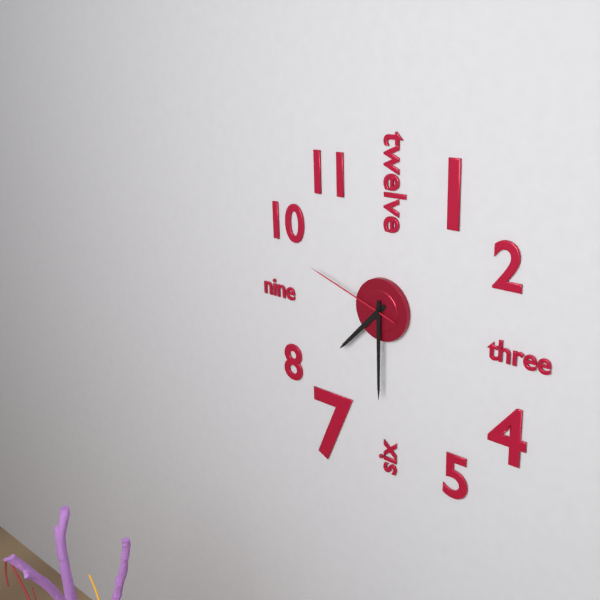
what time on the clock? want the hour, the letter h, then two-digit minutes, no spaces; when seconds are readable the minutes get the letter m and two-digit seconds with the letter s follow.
7h30m48s
